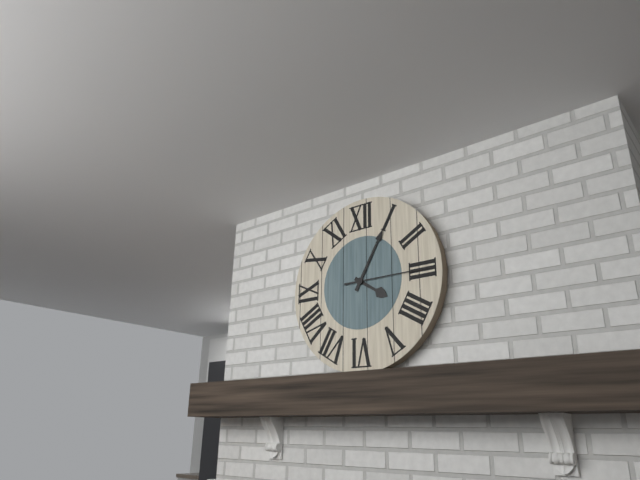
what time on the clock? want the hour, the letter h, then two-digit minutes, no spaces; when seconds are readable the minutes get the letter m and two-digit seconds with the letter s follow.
4h05m15s
